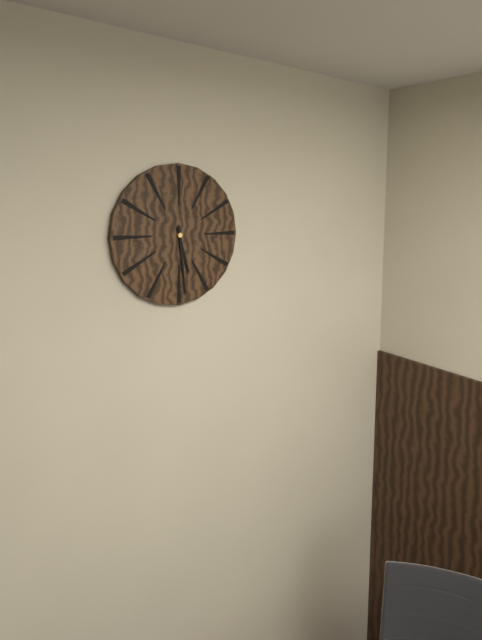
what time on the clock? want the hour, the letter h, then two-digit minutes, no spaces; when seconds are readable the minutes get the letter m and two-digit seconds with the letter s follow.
5h29
